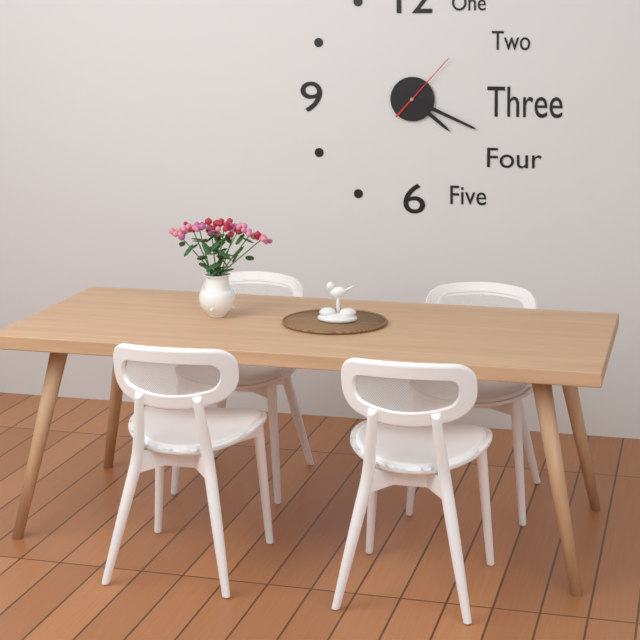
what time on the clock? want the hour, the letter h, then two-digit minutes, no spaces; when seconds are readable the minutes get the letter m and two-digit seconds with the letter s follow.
4h19m07s
